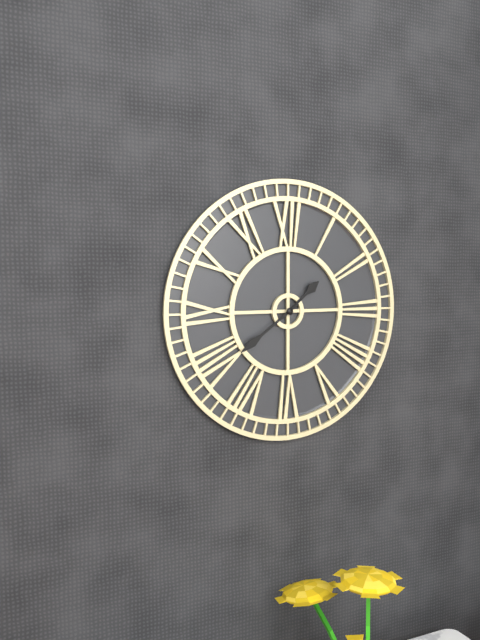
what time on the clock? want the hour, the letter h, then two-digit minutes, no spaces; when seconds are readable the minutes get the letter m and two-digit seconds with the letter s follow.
1h39
